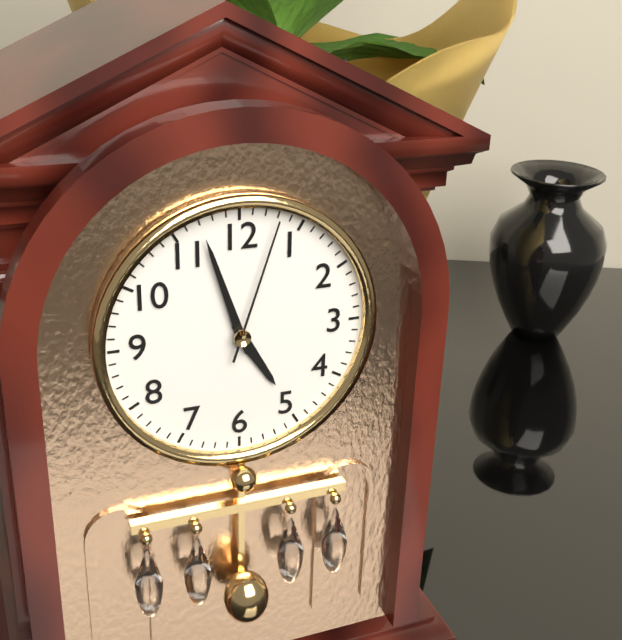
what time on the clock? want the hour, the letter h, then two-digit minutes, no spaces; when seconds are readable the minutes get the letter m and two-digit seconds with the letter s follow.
4h57m03s
